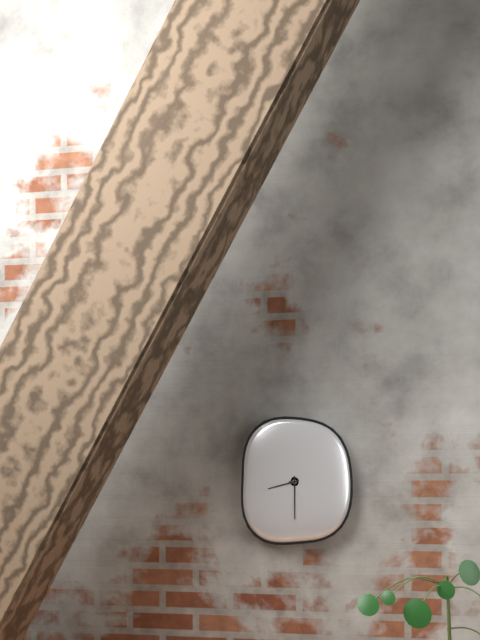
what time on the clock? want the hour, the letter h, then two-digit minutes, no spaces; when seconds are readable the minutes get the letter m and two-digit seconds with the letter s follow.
8h30
